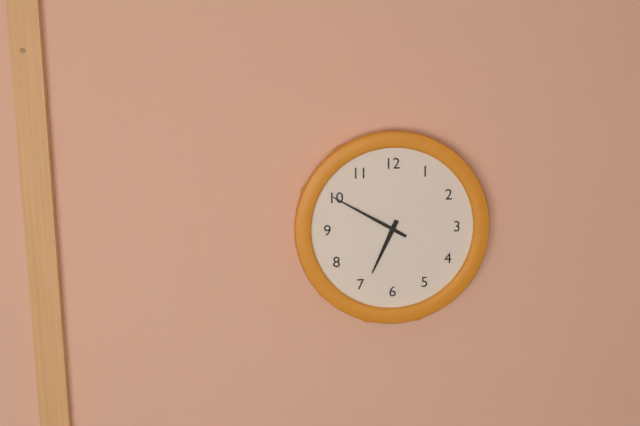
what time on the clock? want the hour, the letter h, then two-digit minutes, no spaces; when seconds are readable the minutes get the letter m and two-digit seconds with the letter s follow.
6h50
